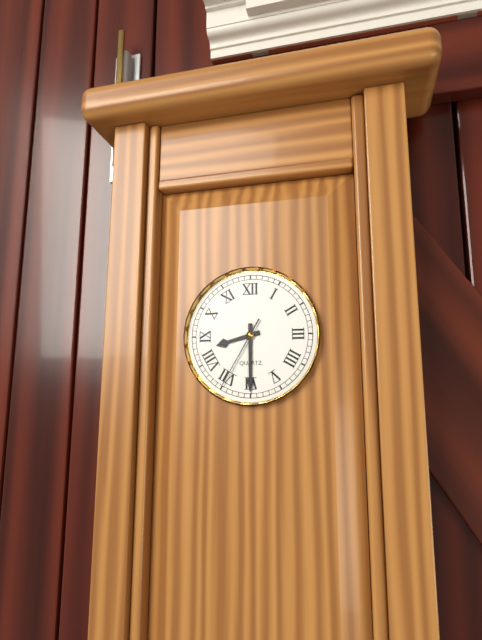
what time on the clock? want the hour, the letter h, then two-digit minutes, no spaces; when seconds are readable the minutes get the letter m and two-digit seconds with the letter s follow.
8h30m35s
